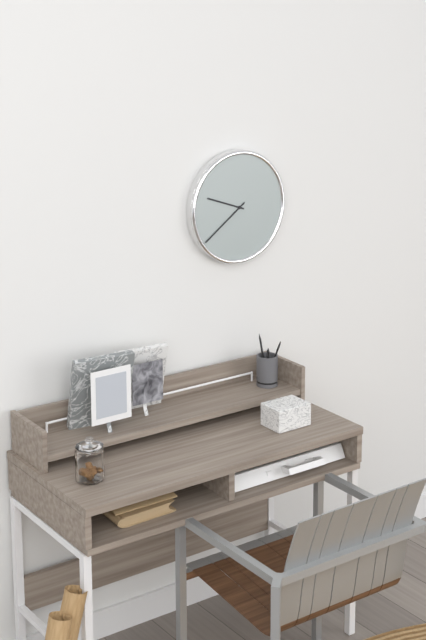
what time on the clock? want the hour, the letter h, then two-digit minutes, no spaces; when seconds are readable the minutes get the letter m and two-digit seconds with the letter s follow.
9h39
